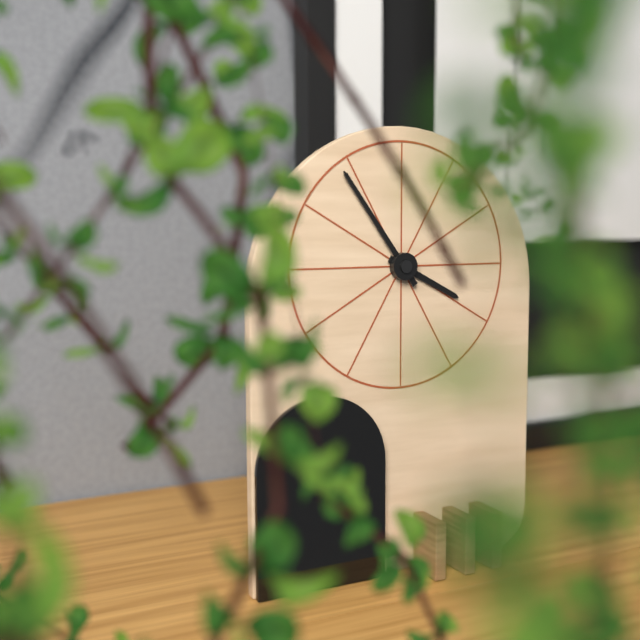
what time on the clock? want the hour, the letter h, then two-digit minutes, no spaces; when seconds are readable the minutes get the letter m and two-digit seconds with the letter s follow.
3h54
